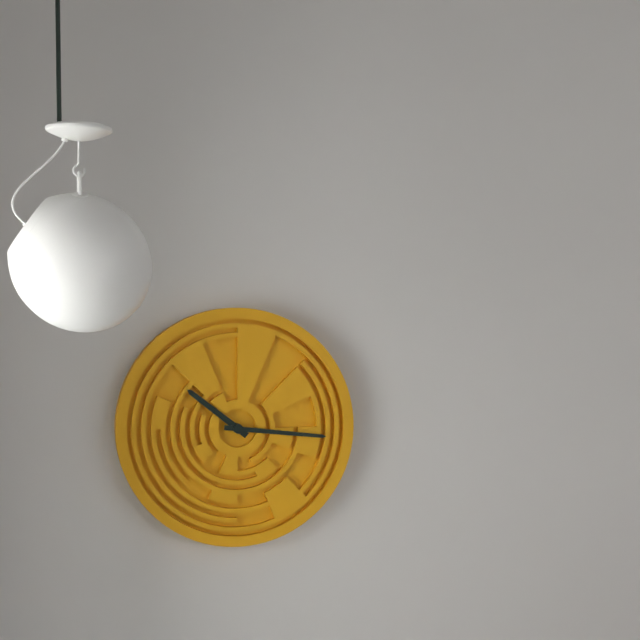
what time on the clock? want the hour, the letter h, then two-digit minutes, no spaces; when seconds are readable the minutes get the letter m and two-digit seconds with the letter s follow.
10h16
